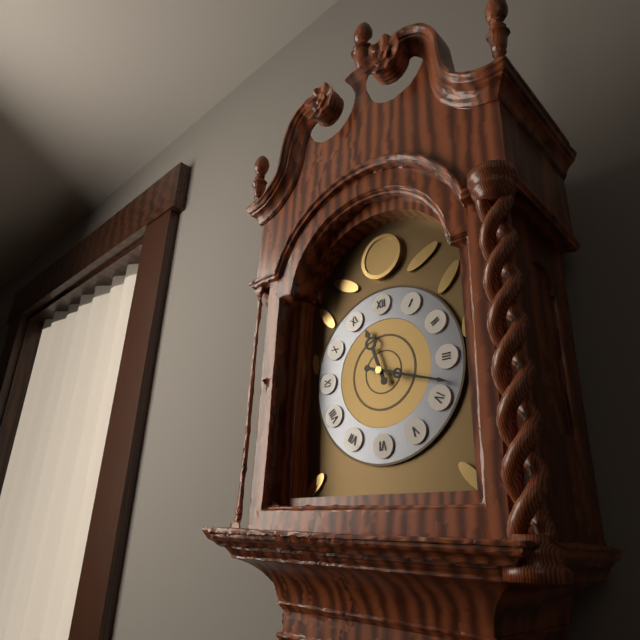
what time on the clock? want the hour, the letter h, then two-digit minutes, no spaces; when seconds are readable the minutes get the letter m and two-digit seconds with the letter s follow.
11h18
